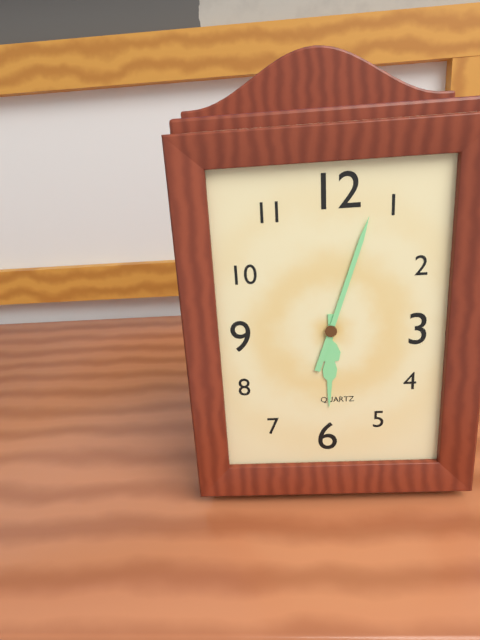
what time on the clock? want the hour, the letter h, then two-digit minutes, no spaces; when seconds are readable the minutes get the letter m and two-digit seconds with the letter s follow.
6h03
